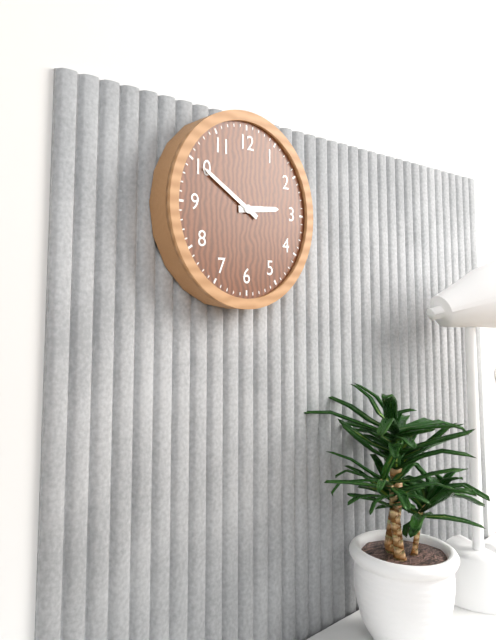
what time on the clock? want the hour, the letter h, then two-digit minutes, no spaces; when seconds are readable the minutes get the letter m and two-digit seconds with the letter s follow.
2h50
